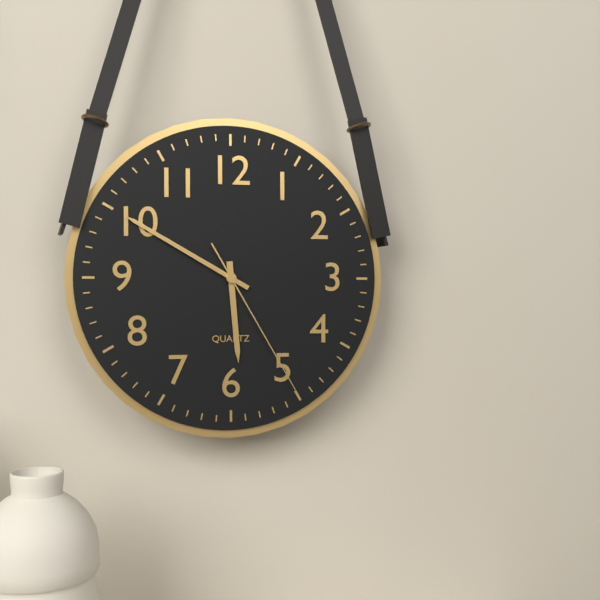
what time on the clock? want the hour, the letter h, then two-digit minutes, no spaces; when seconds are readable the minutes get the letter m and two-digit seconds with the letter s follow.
5h50m25s
